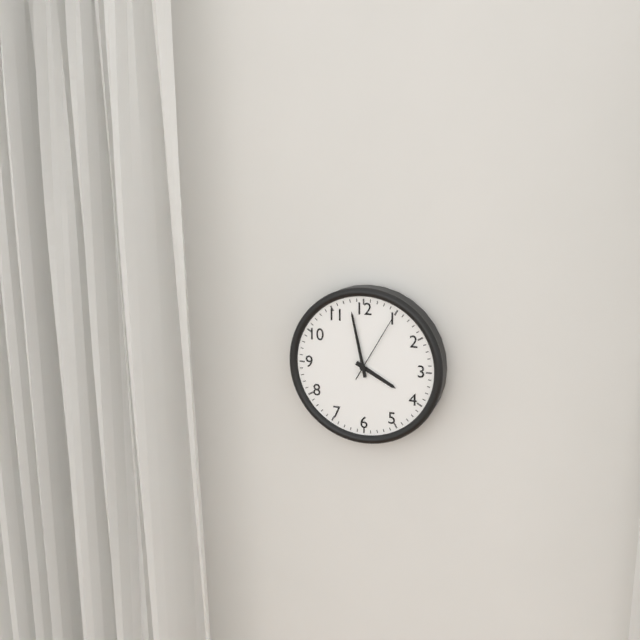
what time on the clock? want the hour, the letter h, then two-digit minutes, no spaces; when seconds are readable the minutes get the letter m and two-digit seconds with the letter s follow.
3h58m05s
